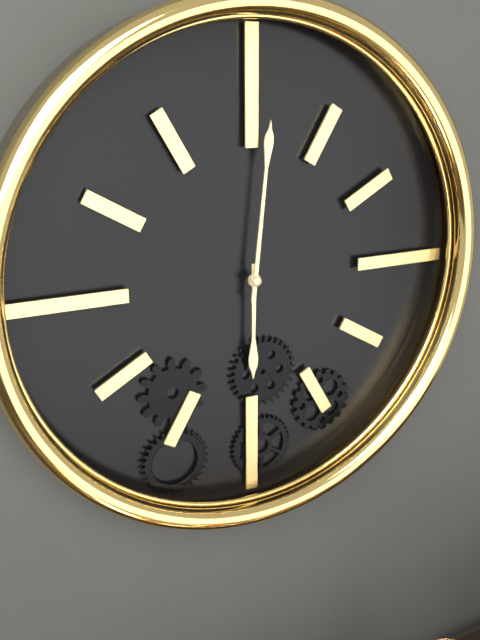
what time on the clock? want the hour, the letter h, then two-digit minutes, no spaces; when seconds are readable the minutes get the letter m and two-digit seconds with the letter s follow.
6h01
